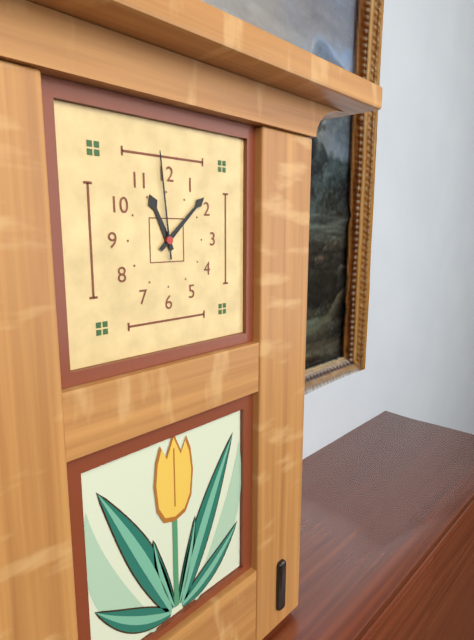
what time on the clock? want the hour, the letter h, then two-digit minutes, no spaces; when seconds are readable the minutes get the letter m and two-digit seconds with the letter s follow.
11h08m59s
